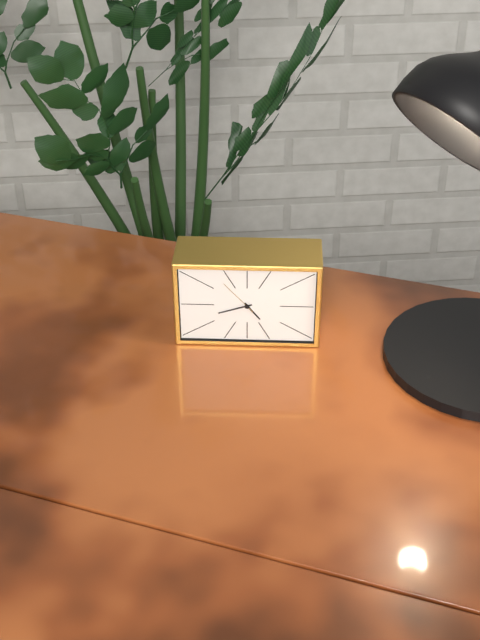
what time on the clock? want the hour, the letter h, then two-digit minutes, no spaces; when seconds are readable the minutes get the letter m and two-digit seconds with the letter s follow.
4h42
